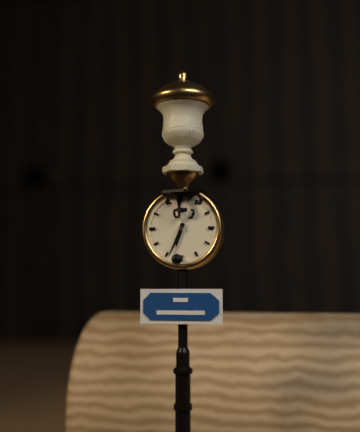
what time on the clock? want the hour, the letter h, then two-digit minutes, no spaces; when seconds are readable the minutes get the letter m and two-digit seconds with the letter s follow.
6h34
